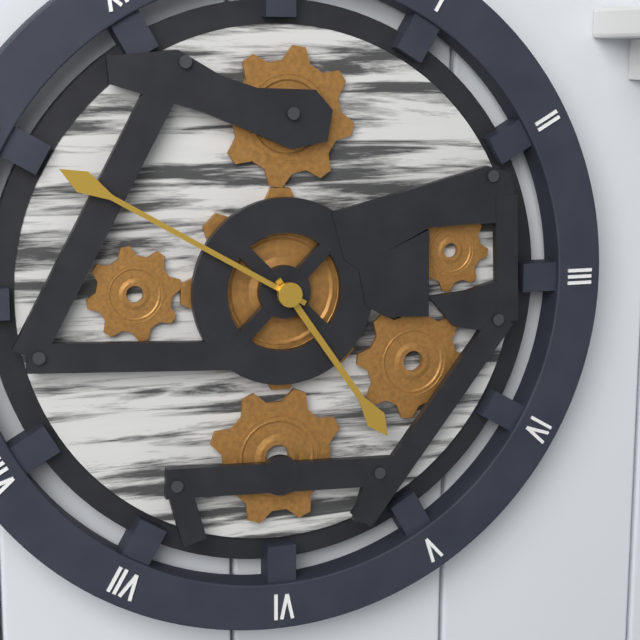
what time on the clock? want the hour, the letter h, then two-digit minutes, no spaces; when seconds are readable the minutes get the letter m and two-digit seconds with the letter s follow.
4h50
